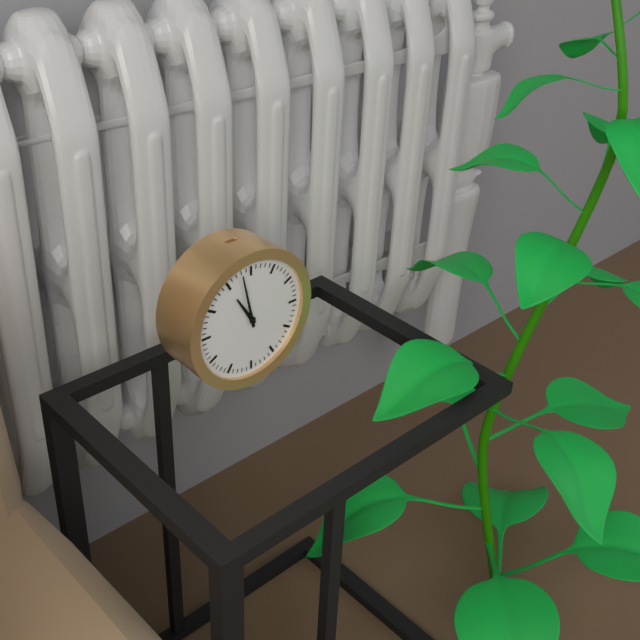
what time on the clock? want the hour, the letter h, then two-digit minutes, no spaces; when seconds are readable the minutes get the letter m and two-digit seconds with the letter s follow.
10h58
